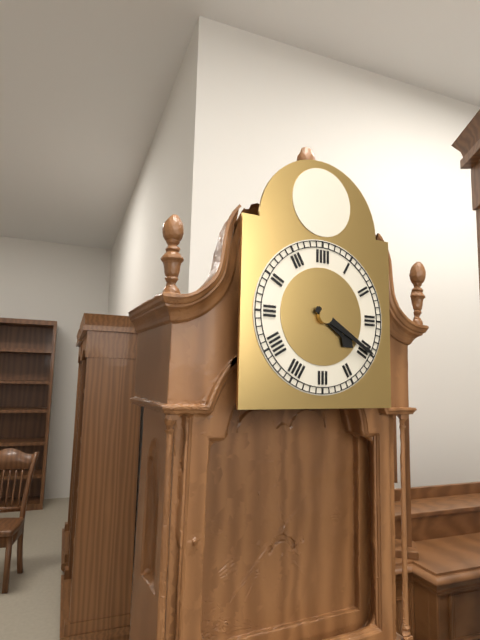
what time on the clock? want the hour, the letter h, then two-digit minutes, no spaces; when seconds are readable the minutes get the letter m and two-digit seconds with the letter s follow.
4h20
